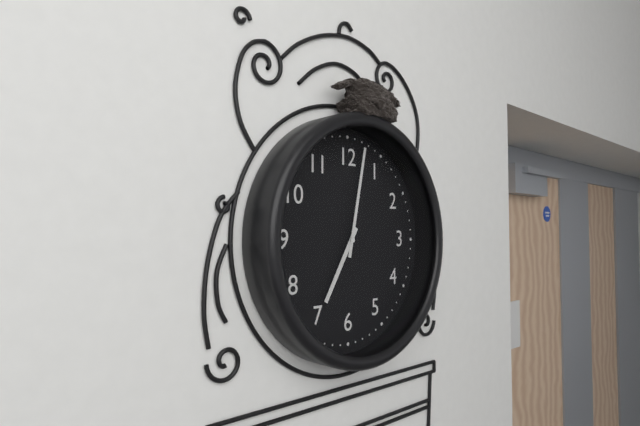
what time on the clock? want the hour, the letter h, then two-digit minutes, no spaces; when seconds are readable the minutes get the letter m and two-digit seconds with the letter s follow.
7h02
